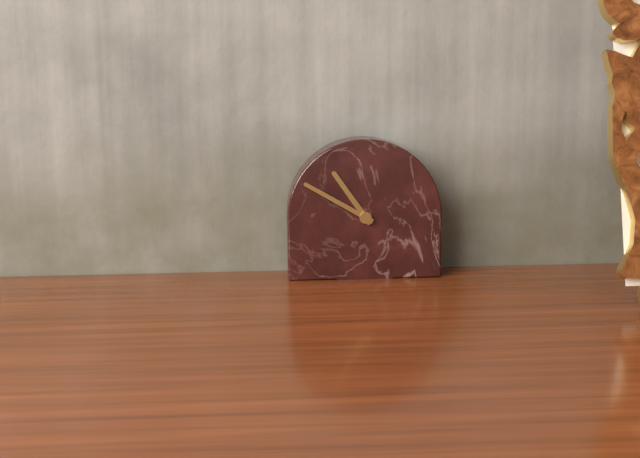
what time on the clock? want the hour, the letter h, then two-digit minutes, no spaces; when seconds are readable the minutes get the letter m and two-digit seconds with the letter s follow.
10h50
